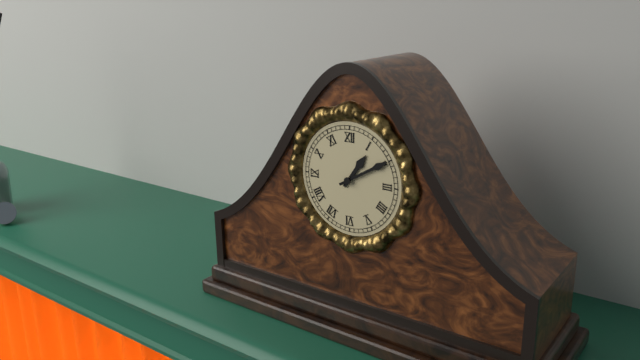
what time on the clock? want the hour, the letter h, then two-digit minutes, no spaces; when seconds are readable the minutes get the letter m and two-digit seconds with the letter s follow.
1h10
